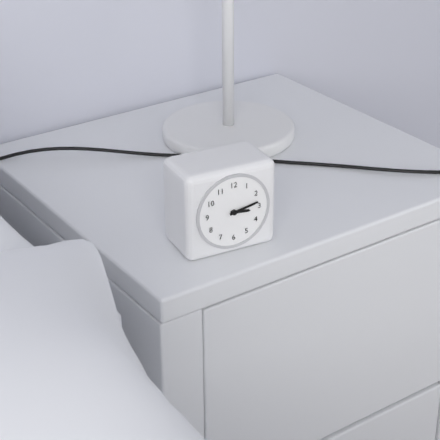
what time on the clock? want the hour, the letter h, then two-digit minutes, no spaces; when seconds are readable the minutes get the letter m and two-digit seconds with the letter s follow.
3h13
